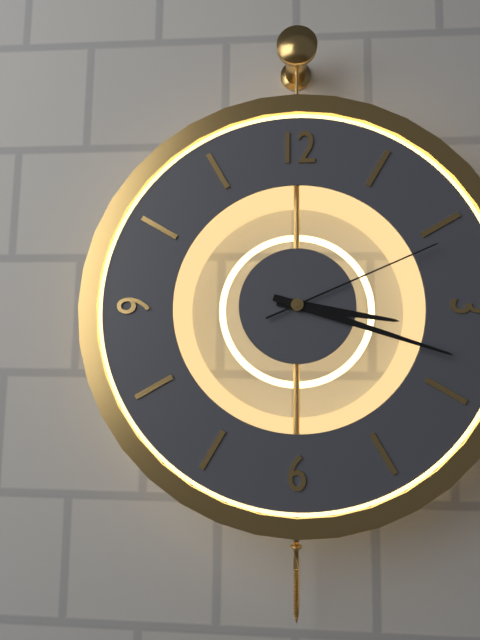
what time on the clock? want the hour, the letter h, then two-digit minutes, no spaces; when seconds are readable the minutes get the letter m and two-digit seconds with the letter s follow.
3h18m11s
